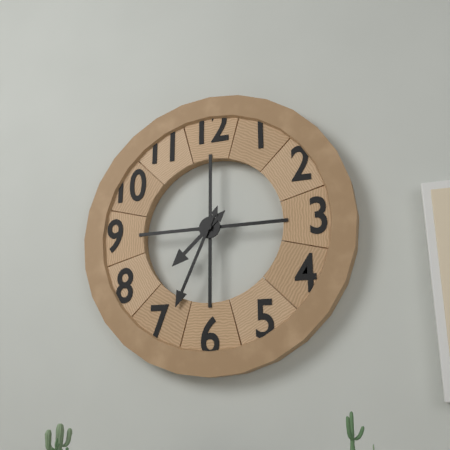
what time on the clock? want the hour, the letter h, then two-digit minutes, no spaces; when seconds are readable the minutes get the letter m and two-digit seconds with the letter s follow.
7h34
